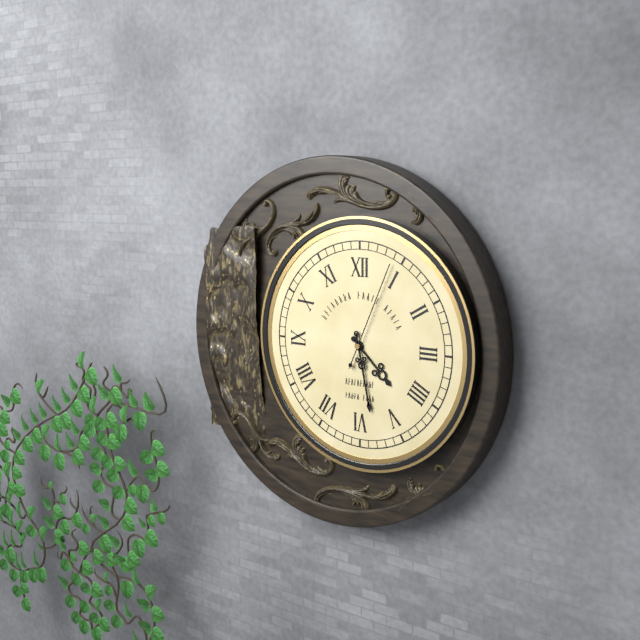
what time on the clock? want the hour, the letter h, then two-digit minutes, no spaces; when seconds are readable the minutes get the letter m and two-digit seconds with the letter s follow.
4h28m04s
